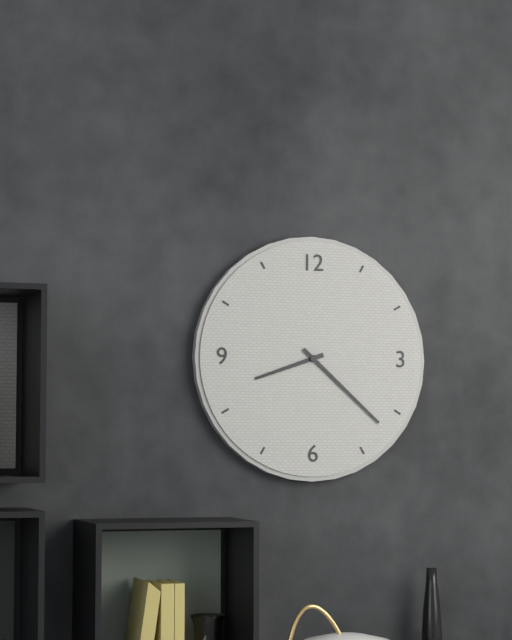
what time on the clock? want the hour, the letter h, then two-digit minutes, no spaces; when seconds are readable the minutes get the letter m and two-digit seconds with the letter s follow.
8h22
